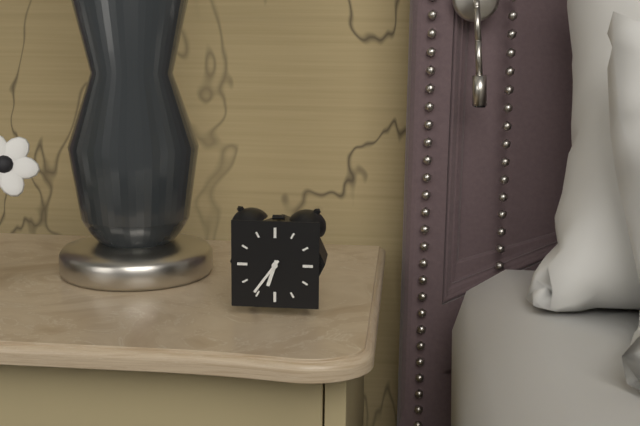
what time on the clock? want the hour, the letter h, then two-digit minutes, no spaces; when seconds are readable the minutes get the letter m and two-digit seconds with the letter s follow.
6h36
